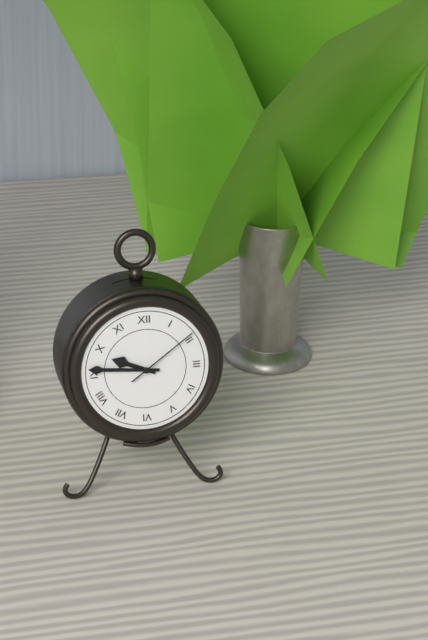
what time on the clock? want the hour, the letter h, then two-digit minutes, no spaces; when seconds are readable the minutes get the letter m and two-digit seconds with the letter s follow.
9h46m09s
